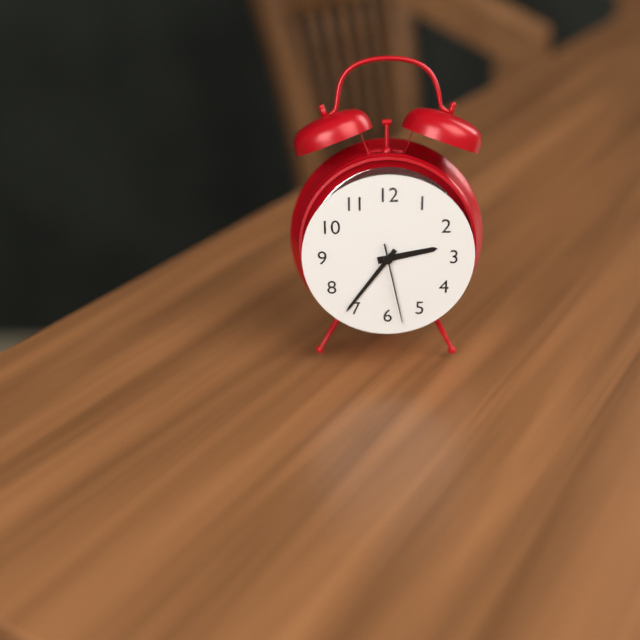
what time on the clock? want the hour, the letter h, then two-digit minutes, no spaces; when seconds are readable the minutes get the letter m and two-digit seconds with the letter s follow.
2h36m28s
